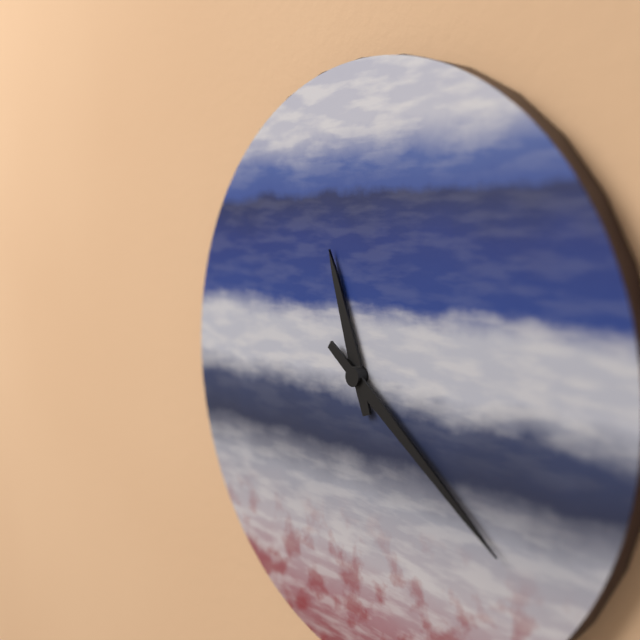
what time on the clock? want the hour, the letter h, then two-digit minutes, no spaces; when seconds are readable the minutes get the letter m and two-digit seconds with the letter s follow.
11h21
